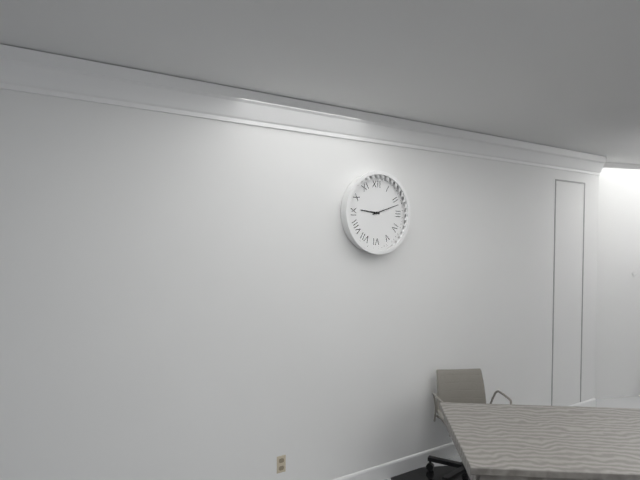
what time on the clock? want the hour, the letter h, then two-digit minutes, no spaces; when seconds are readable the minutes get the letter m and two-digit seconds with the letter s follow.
9h12
